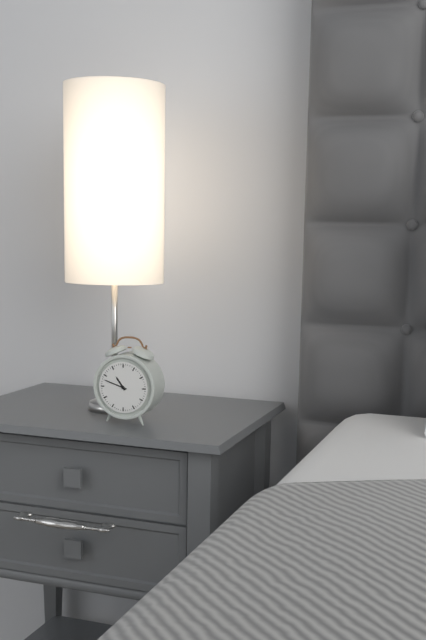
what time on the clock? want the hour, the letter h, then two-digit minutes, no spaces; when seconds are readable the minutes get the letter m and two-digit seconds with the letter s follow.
10h48
